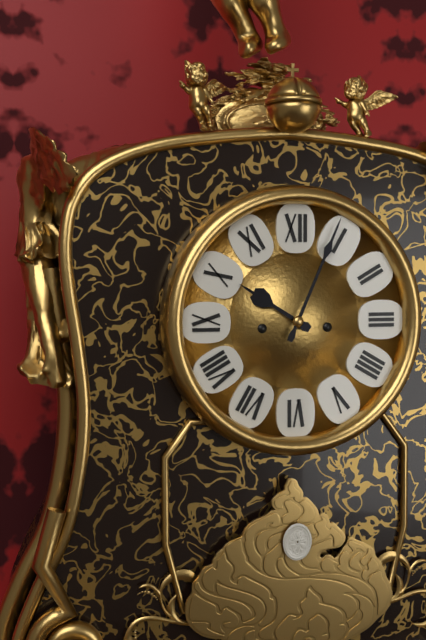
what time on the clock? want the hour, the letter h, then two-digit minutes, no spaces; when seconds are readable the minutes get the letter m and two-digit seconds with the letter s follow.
10h04
